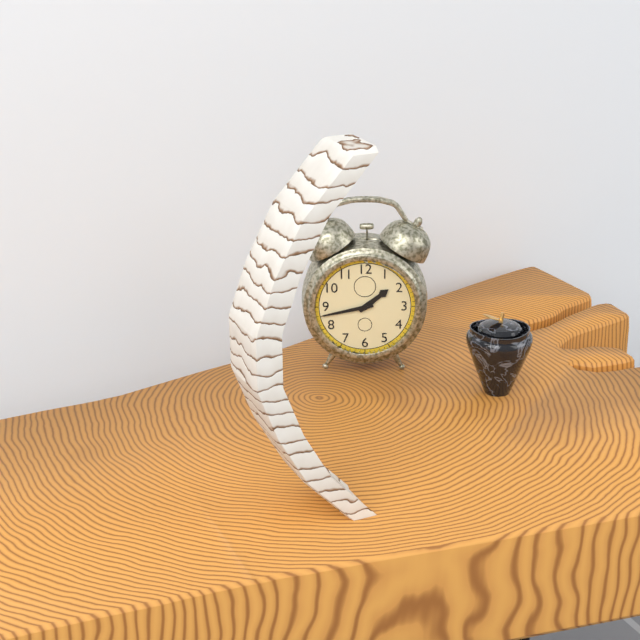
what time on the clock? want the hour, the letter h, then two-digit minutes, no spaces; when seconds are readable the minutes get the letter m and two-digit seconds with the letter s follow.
1h43
